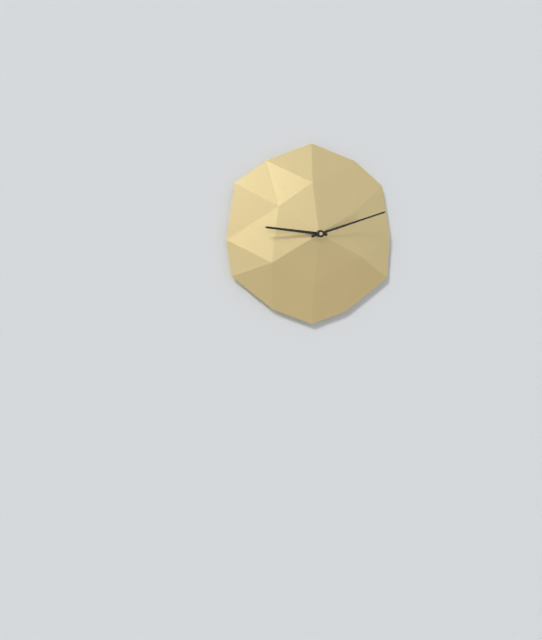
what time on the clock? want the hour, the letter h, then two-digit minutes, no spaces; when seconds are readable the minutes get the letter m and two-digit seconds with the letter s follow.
9h12
